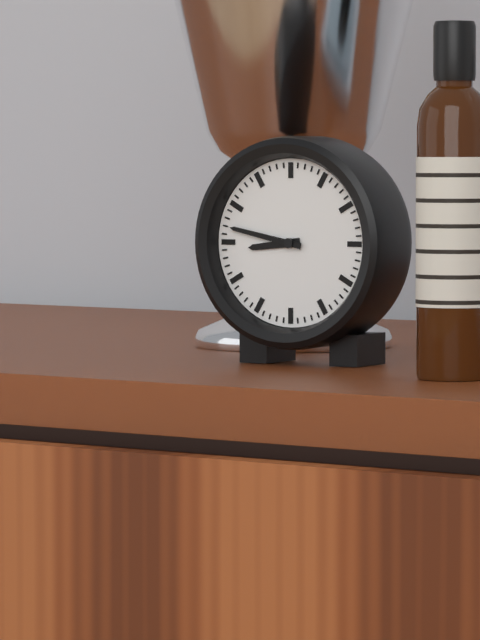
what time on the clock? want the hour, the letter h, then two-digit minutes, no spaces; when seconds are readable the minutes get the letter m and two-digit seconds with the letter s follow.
8h47
